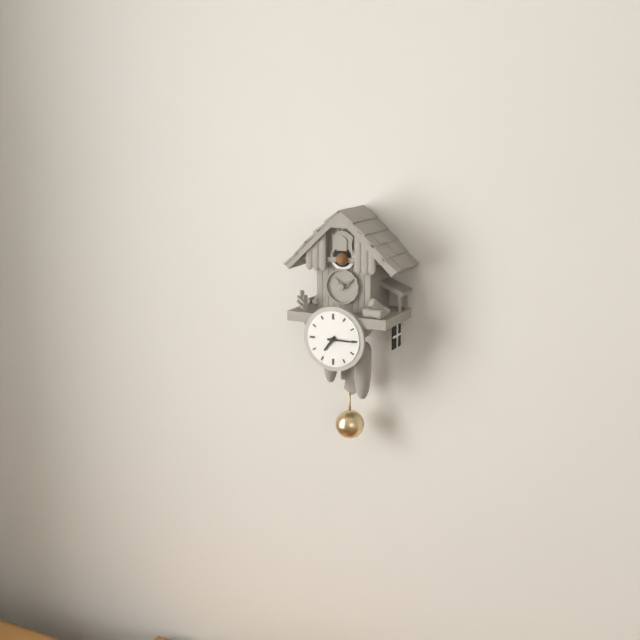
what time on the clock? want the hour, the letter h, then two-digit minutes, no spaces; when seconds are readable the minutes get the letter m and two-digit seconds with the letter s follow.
7h15
